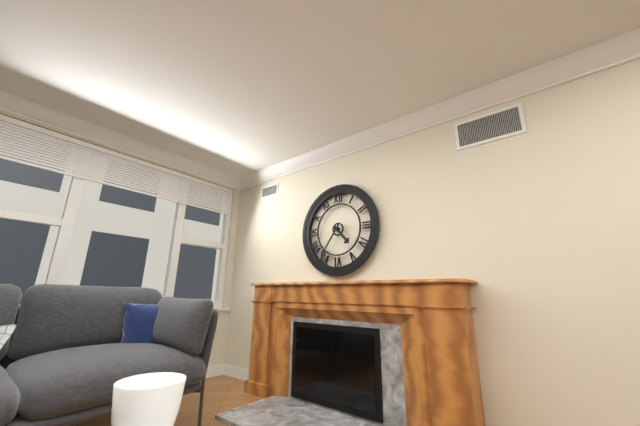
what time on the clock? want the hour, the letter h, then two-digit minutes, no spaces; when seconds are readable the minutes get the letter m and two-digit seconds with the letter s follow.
4h36
